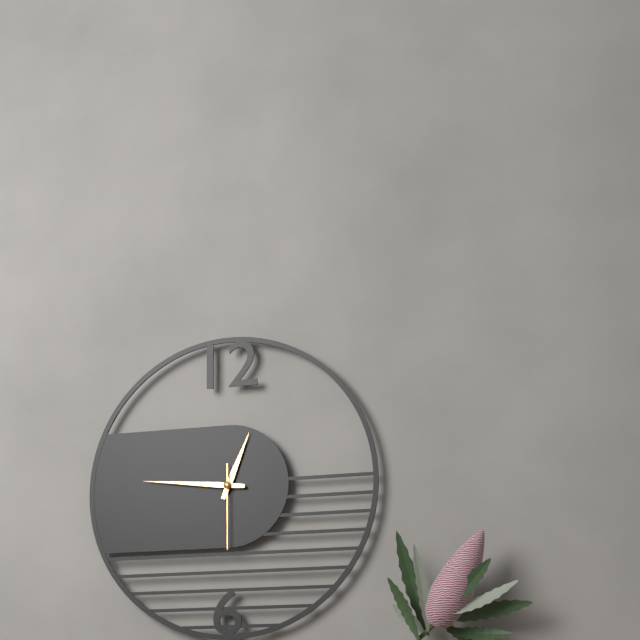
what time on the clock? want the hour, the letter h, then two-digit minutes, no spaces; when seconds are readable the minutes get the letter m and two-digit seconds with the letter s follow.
12h46m30s
